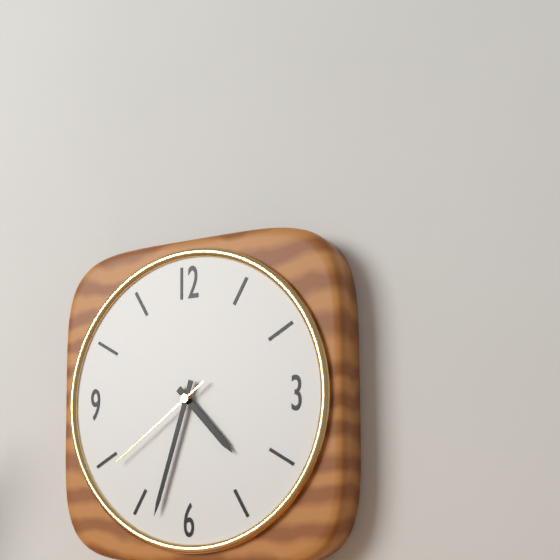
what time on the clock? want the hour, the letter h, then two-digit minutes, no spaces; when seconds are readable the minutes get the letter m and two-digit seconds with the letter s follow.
4h33m39s
